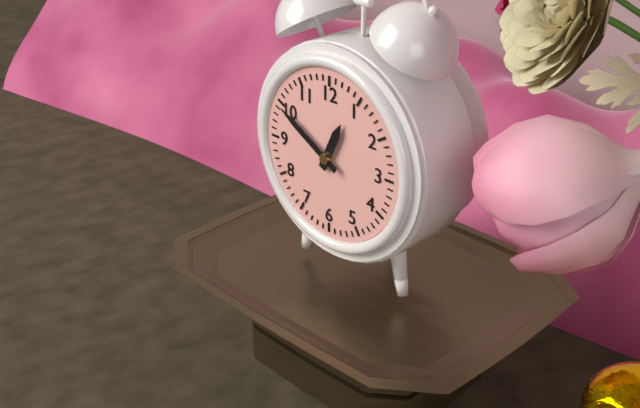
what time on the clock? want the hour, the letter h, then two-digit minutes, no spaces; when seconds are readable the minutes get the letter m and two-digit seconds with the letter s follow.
12h50
